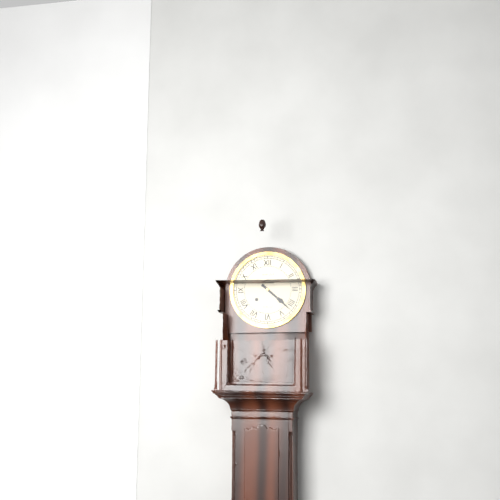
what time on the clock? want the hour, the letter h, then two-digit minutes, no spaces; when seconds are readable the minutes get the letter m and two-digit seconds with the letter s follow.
4h22
